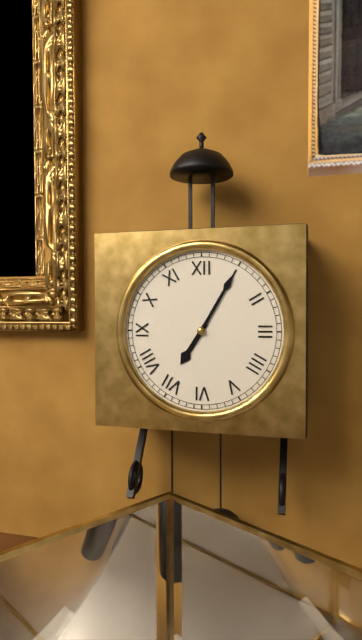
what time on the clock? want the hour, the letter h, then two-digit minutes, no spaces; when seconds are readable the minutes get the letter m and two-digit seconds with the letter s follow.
7h05
